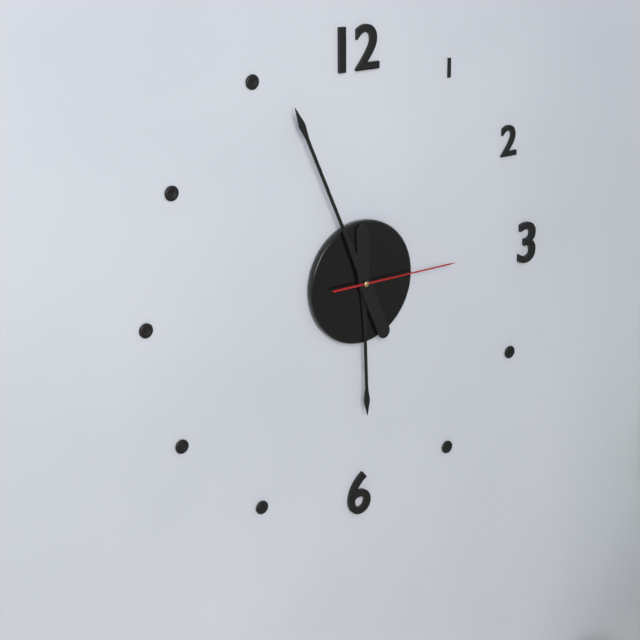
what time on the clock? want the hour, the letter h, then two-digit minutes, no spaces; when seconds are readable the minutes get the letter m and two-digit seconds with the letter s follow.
5h56m15s
